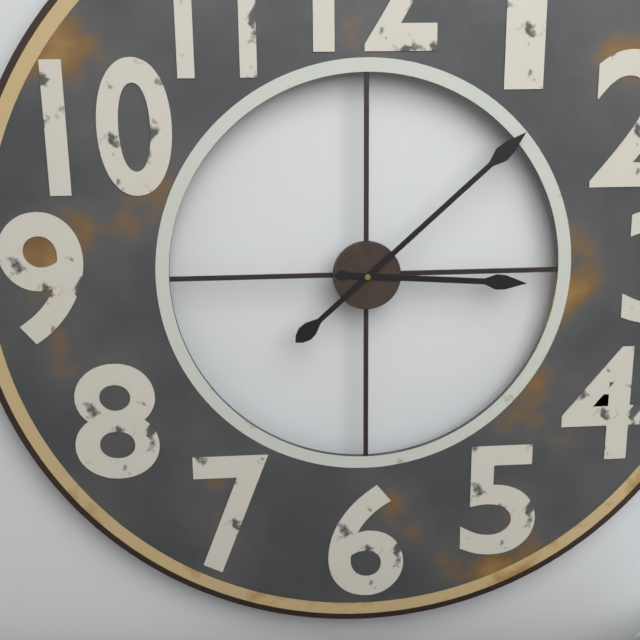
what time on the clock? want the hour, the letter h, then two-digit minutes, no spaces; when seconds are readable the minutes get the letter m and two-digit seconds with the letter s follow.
3h08
